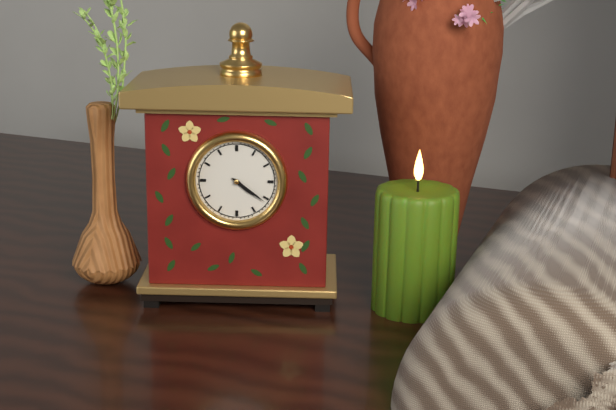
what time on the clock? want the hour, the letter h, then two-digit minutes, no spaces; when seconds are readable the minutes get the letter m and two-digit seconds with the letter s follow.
4h21
